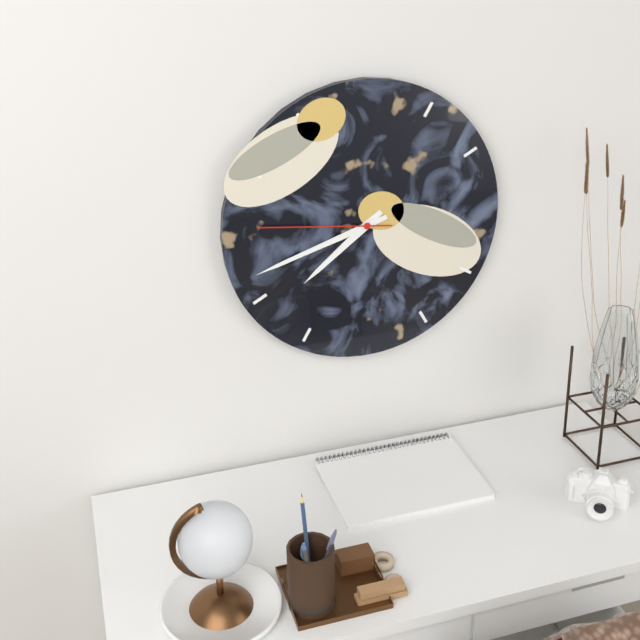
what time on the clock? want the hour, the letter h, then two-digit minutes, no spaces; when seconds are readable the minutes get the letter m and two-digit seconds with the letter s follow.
7h42m46s
